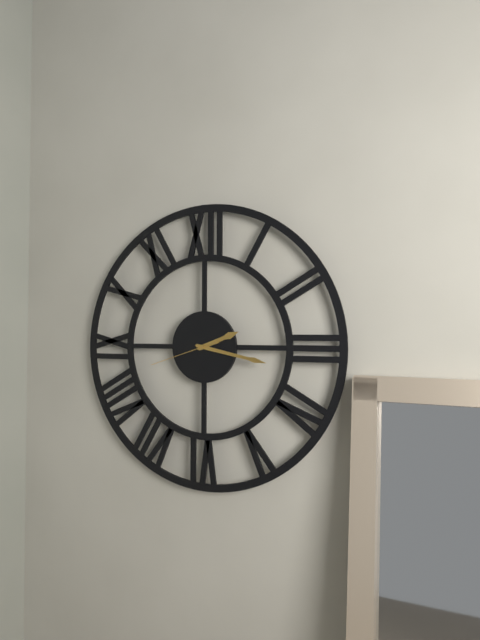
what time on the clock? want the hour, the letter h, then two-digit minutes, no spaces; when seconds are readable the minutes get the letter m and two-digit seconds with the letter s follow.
2h17m42s
